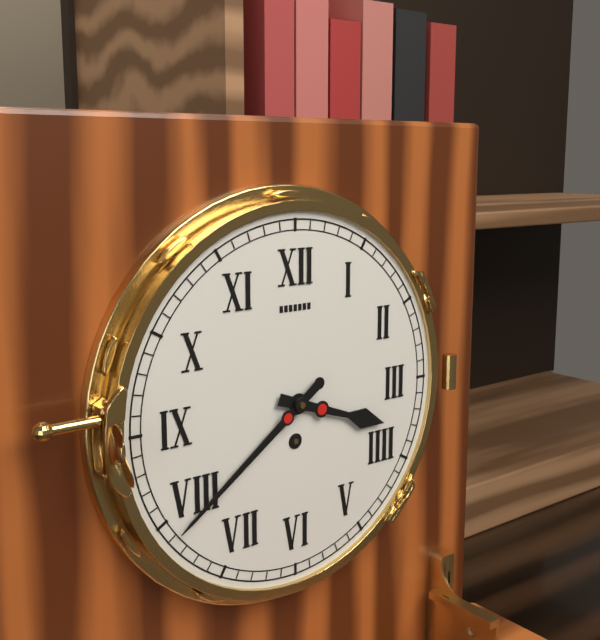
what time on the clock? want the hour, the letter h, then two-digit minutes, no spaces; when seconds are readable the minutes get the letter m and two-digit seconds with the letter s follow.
3h39
